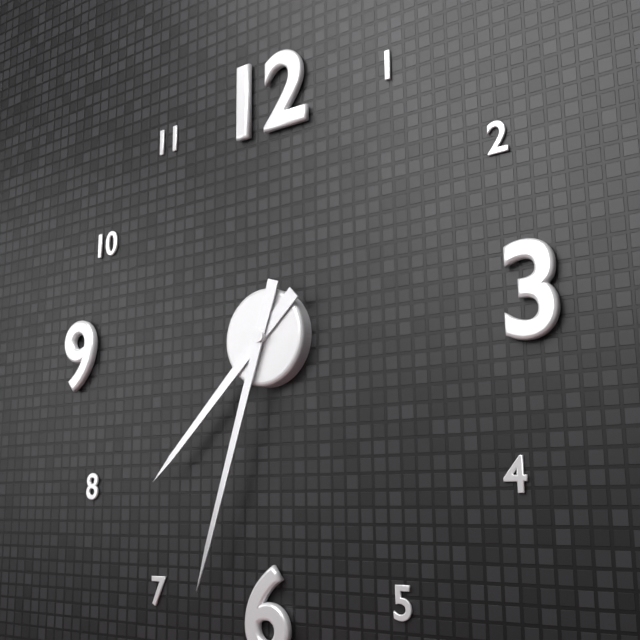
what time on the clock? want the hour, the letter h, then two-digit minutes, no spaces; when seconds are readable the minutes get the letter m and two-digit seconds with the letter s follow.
7h33
